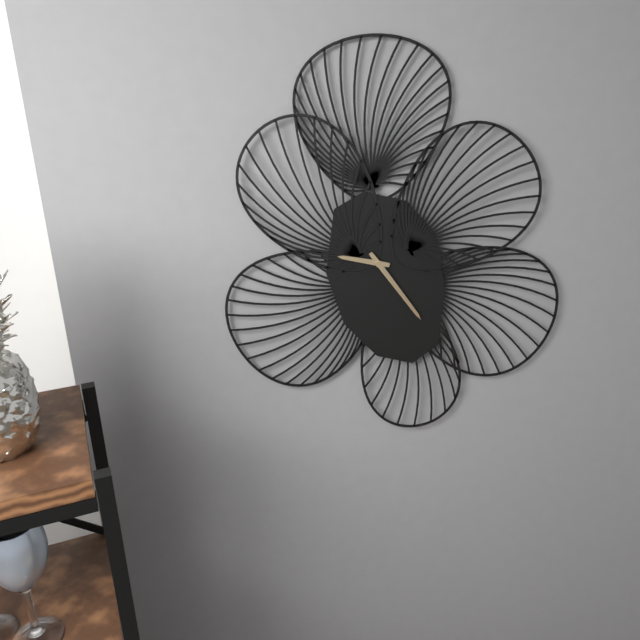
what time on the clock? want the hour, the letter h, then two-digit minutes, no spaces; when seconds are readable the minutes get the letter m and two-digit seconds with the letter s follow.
9h24
